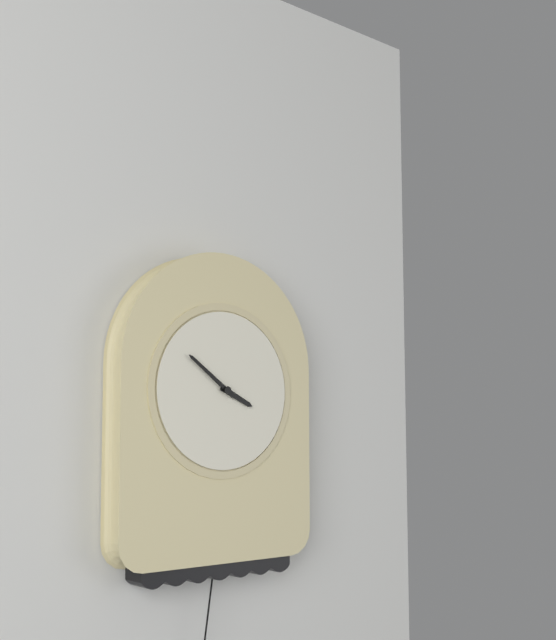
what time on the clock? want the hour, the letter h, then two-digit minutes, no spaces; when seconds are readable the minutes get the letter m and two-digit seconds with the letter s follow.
3h51
